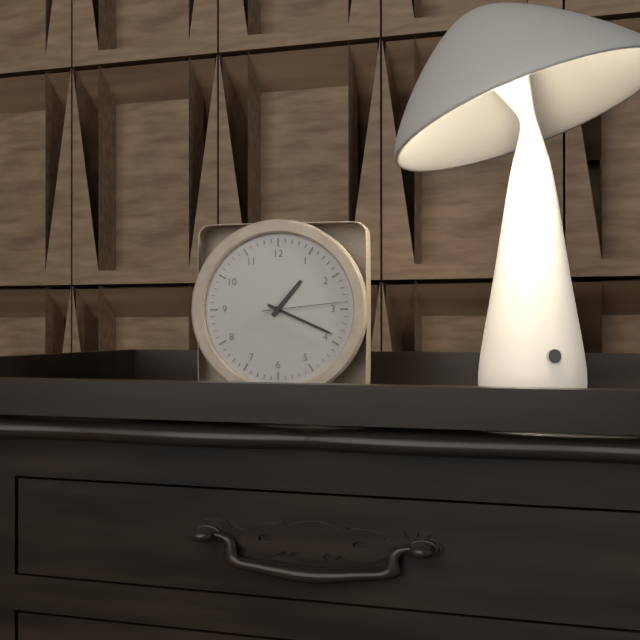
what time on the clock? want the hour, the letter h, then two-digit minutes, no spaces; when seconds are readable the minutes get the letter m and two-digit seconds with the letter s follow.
1h19m14s
